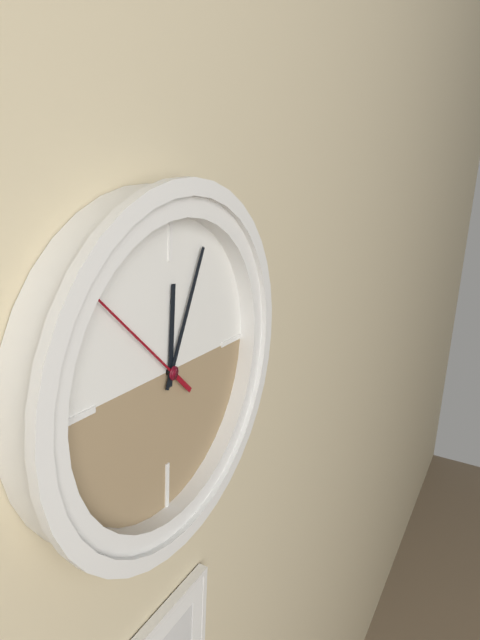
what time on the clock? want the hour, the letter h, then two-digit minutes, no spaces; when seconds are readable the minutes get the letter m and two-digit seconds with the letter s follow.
12h04m52s
